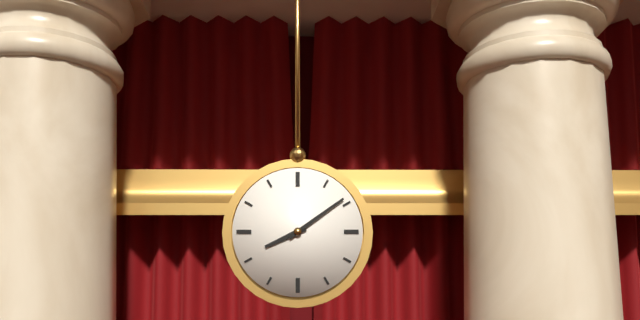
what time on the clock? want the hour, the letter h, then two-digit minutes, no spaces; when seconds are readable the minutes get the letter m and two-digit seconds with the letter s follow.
8h09
